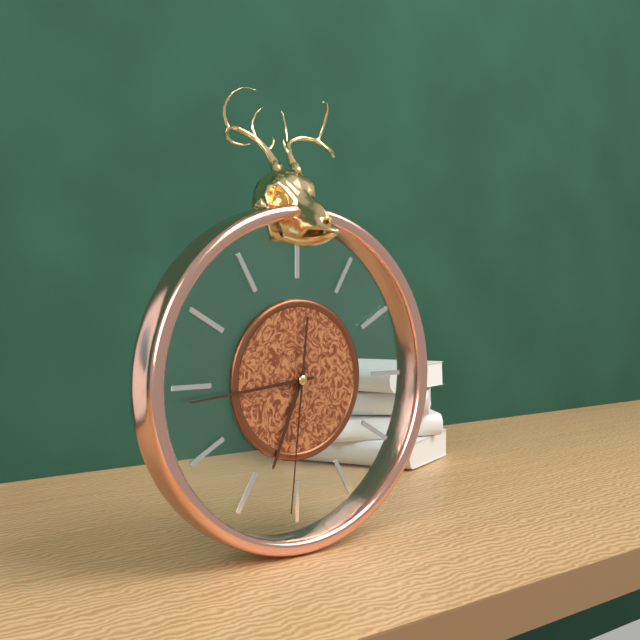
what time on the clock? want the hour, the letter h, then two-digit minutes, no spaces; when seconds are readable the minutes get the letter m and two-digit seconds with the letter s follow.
6h44m31s
